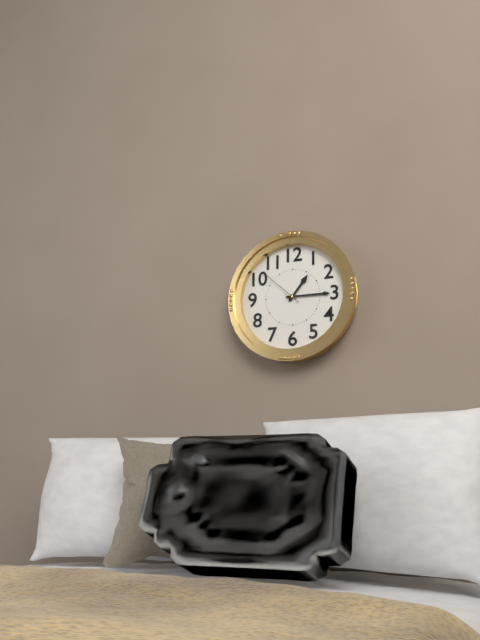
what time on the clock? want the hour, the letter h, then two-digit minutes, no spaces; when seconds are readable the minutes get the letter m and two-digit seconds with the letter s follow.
1h15
